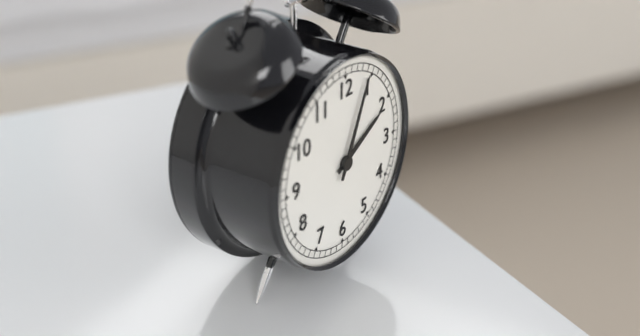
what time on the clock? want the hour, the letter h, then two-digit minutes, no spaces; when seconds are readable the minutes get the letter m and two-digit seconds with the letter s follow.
2h04
